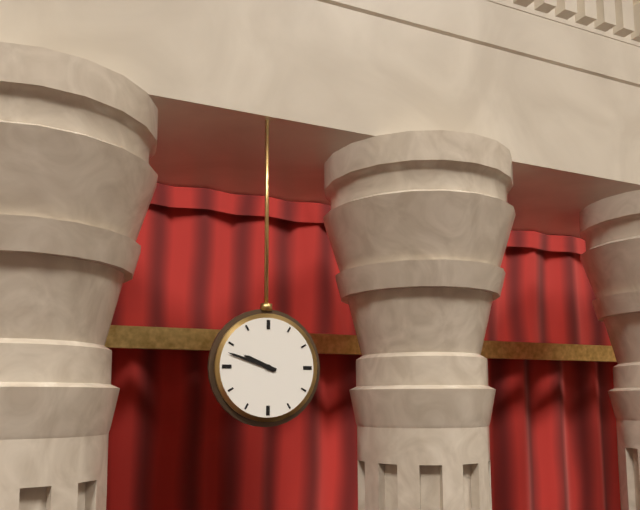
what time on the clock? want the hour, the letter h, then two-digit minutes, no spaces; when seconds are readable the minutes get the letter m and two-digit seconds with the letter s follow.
9h48
